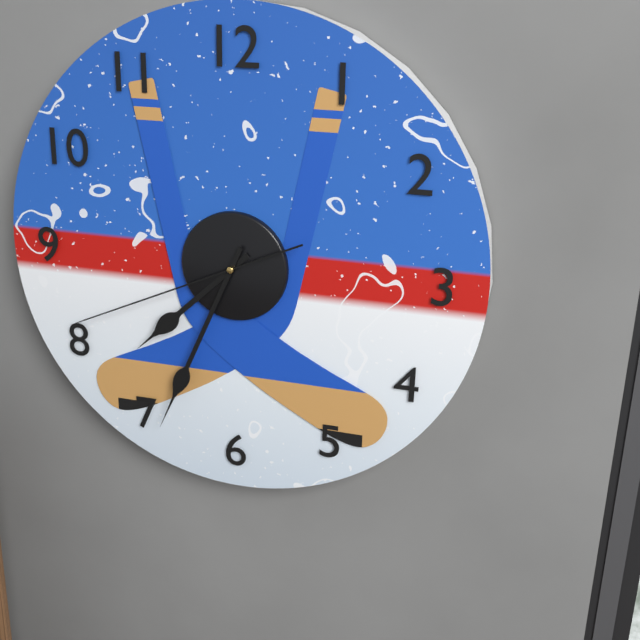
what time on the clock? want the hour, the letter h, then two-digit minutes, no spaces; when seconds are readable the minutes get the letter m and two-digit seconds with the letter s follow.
7h34m41s
